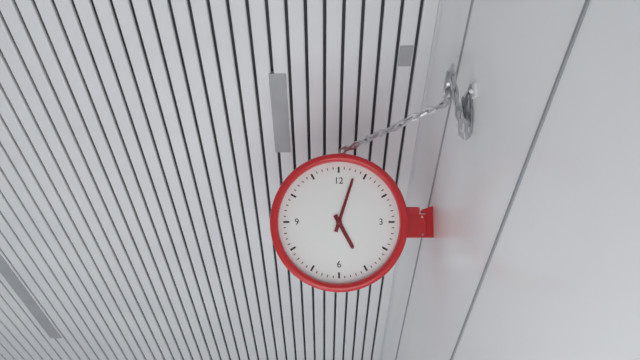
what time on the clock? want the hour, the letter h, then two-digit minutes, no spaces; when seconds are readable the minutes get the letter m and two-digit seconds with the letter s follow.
5h03
